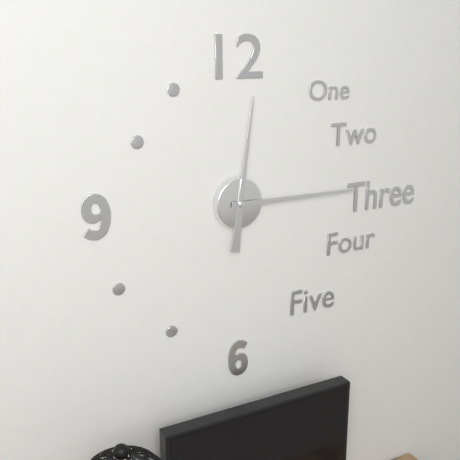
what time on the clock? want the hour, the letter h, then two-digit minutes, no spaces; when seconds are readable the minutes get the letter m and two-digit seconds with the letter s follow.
12h15
